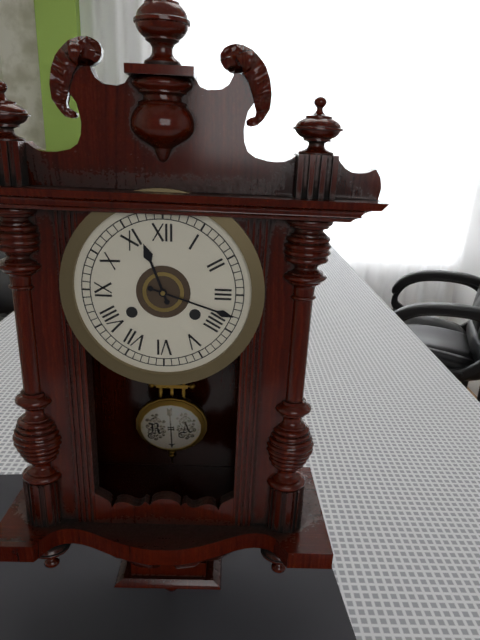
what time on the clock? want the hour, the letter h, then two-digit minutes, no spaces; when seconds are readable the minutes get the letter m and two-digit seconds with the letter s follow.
11h18
